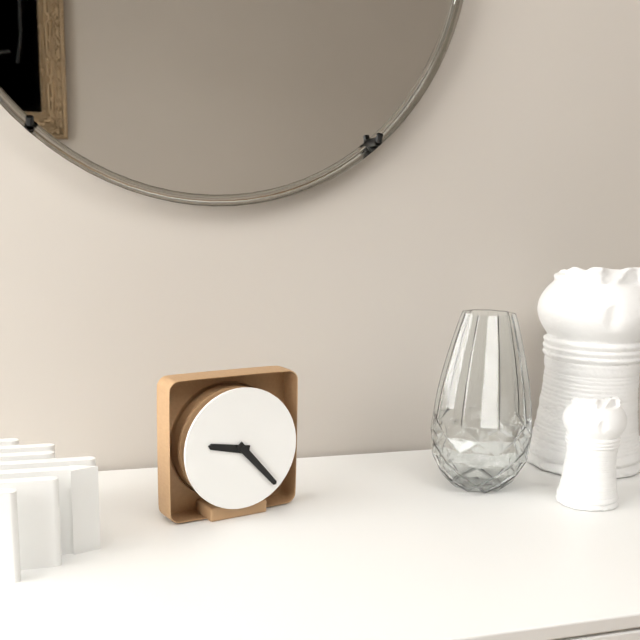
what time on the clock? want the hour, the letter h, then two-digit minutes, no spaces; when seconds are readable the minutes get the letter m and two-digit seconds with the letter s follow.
9h23
